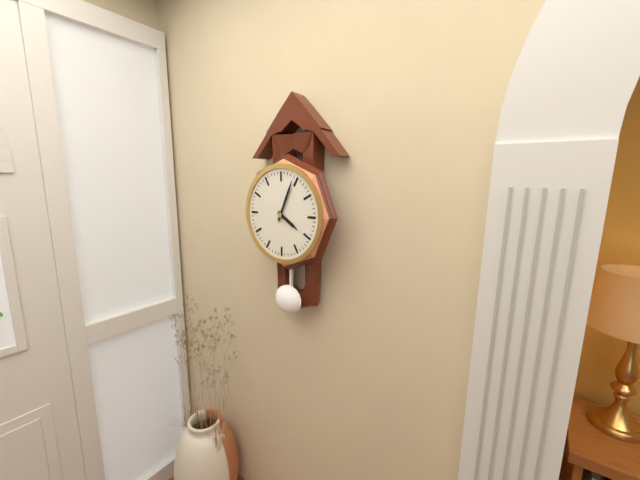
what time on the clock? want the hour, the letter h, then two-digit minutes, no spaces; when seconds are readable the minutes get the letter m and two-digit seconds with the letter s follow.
4h04
